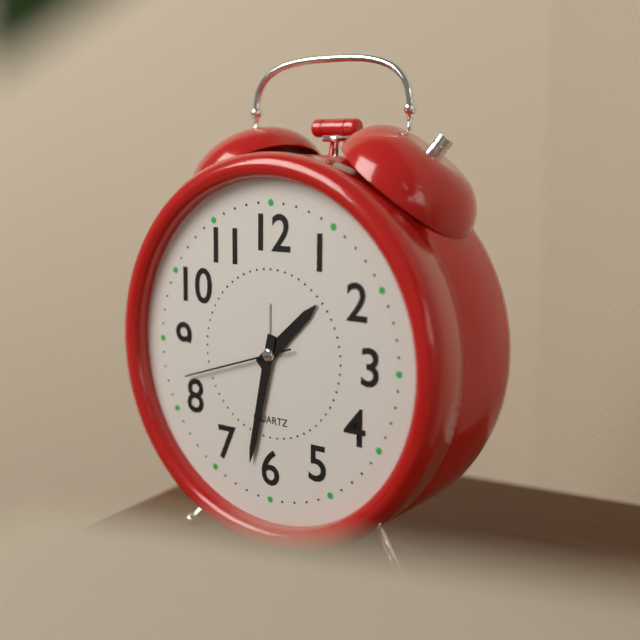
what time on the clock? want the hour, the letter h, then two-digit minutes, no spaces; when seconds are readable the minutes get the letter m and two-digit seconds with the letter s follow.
1h32m42s
